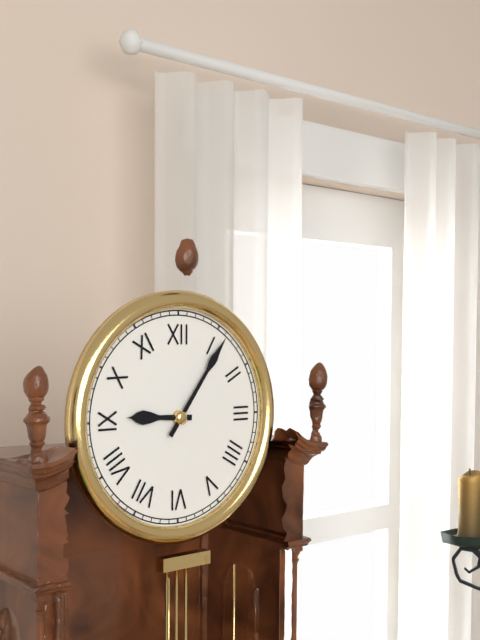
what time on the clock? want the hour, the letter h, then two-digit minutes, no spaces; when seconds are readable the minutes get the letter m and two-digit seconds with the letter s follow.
9h06
